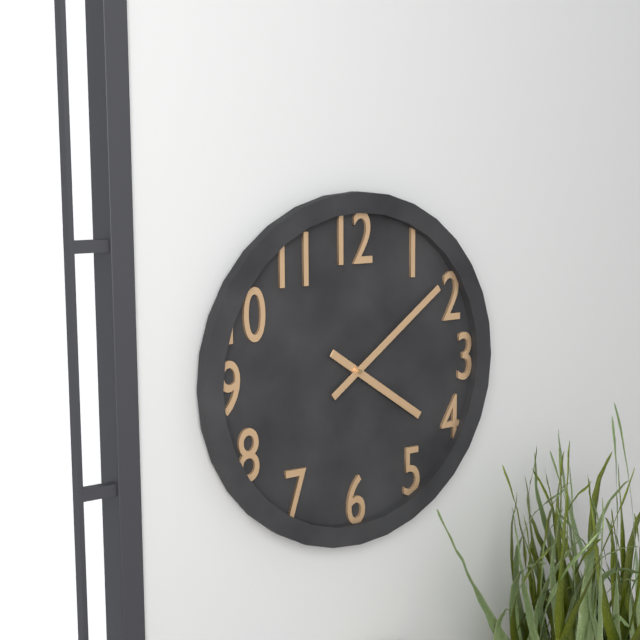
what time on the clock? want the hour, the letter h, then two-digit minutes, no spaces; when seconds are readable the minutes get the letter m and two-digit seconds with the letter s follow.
4h09
